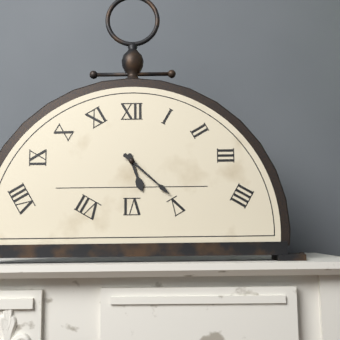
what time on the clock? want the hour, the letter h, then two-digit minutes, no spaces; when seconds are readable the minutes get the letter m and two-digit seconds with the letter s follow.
5h22
